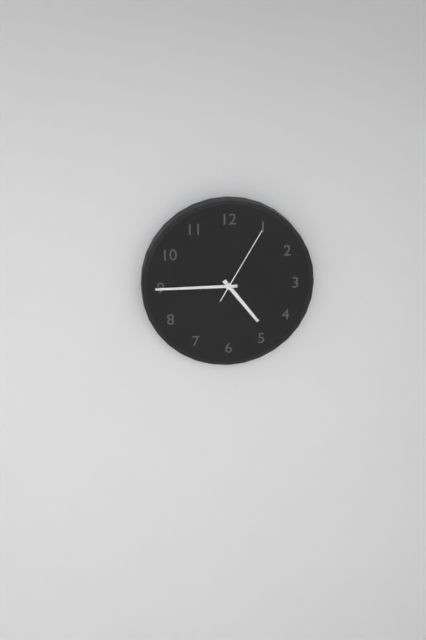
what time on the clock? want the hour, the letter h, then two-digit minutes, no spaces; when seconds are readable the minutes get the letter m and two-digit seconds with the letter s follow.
4h45m05s
